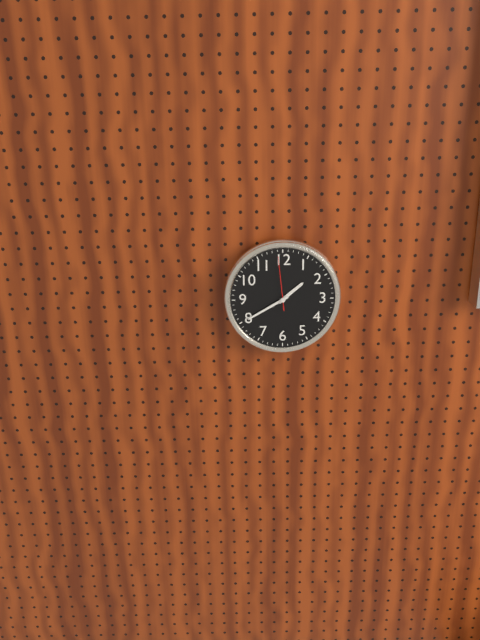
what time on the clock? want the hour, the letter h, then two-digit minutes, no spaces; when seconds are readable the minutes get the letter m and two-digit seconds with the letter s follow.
1h40m59s
